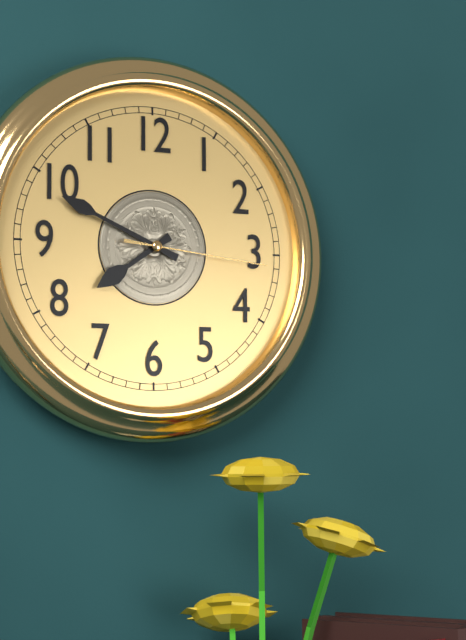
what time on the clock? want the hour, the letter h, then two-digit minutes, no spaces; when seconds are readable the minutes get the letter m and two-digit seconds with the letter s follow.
7h49m16s
